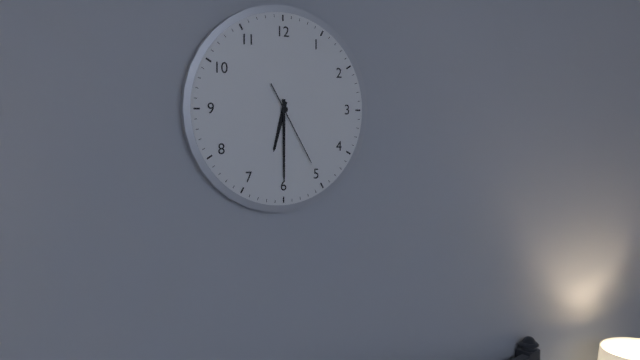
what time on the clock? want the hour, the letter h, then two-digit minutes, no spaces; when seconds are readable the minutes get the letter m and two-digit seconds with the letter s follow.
6h30m25s
